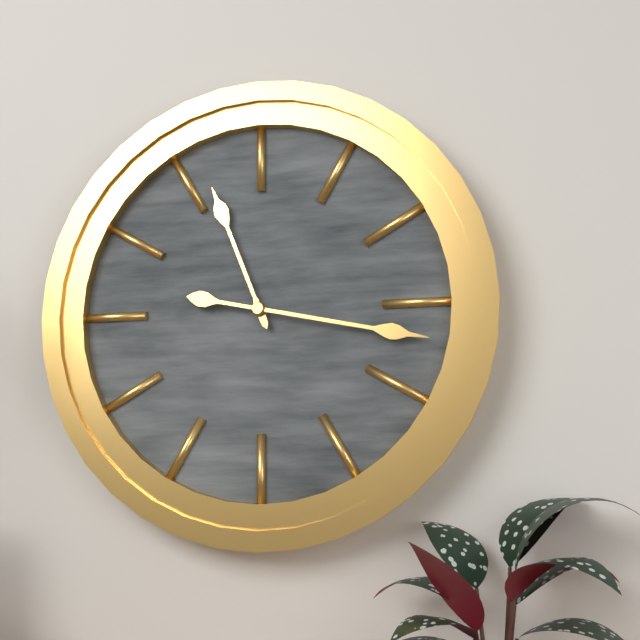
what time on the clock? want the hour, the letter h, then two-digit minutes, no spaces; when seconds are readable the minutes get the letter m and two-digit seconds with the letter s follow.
11h17
